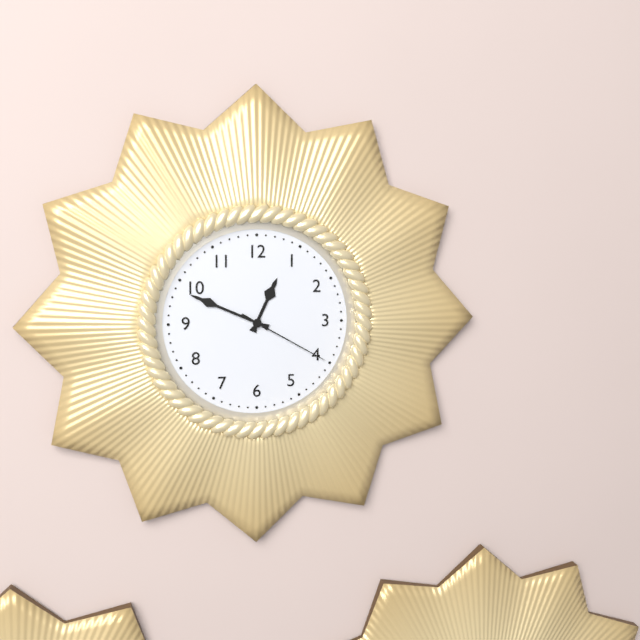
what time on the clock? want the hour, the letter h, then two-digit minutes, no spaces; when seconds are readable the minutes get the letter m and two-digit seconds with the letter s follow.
12h49m20s
